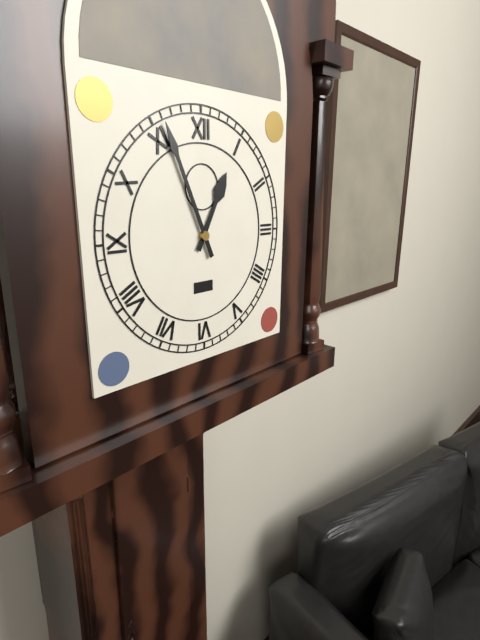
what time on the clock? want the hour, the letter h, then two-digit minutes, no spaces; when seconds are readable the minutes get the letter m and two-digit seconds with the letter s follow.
12h56
